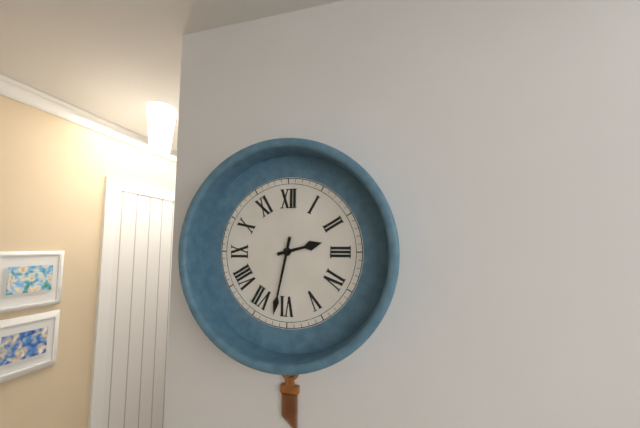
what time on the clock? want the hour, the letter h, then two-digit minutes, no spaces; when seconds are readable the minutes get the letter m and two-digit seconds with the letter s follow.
2h32
